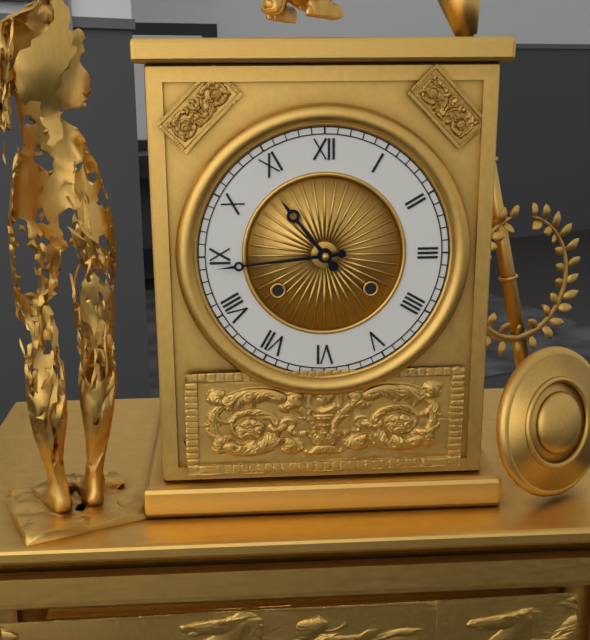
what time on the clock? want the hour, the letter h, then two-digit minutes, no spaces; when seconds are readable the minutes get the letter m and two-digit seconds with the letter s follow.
10h44
